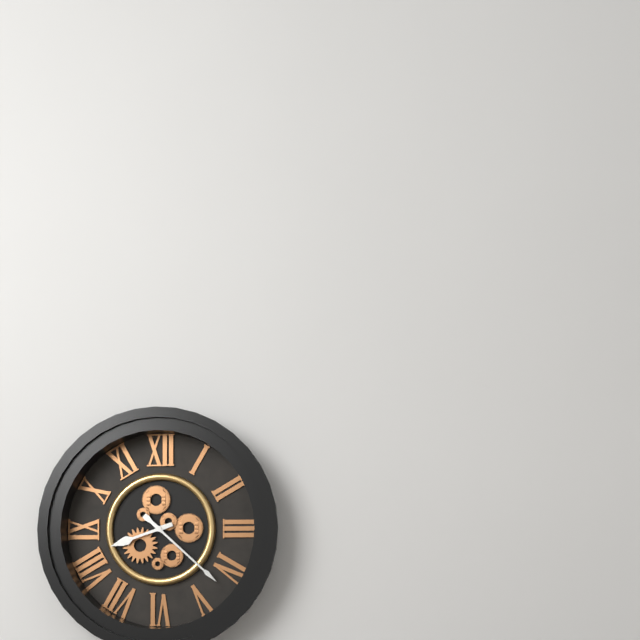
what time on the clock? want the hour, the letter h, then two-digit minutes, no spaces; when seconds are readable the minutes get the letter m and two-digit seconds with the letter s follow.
8h22
